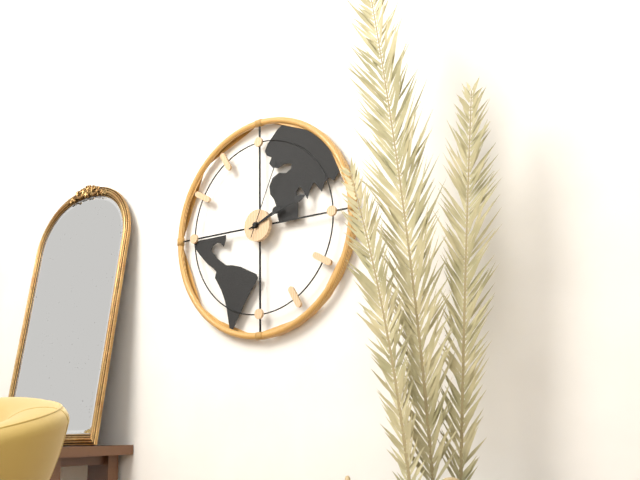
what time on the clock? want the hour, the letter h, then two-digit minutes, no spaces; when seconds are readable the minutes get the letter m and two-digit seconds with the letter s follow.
2h12m04s
